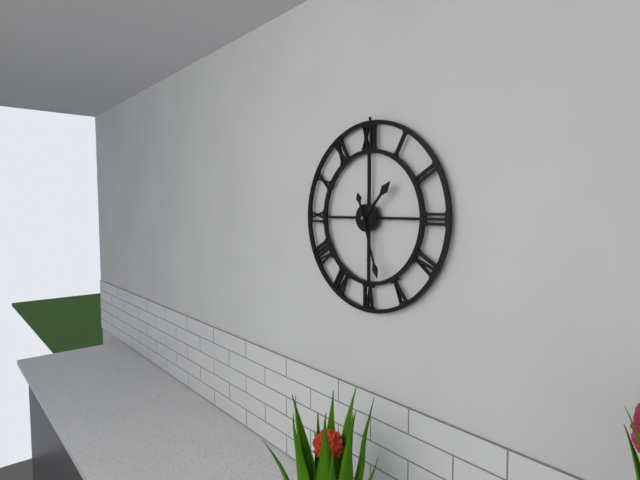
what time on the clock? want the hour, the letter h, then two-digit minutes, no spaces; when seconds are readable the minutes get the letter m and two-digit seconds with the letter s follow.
1h27
